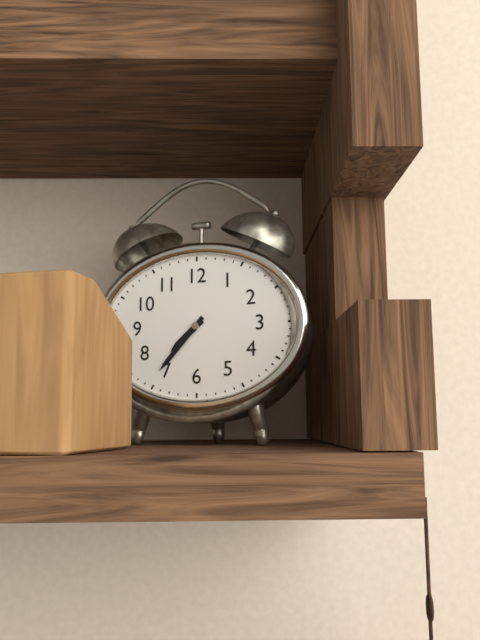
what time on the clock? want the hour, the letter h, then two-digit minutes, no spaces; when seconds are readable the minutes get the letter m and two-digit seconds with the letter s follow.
7h37
